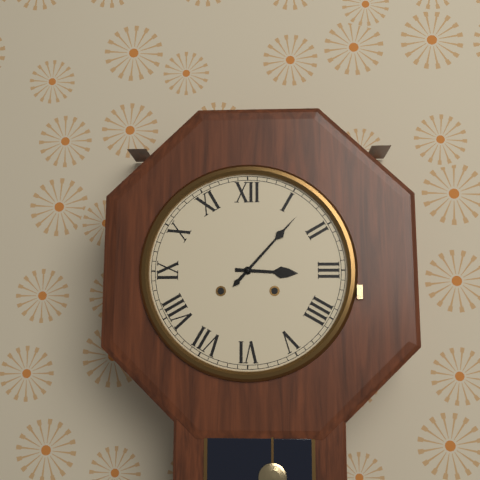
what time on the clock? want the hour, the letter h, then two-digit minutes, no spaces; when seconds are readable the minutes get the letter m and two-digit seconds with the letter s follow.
3h07
